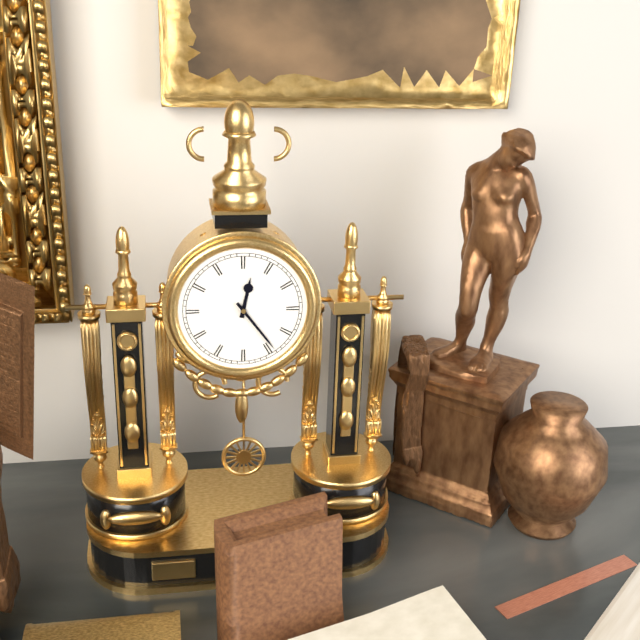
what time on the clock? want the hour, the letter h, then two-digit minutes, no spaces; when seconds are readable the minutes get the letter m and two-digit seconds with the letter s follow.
12h24
